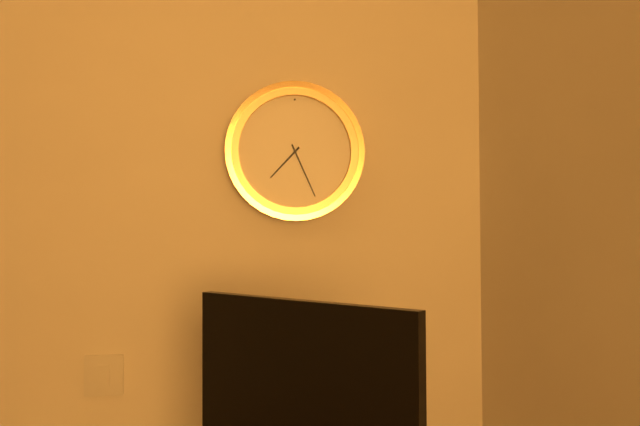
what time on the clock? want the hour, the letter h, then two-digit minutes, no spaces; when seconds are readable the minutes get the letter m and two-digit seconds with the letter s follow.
7h26
